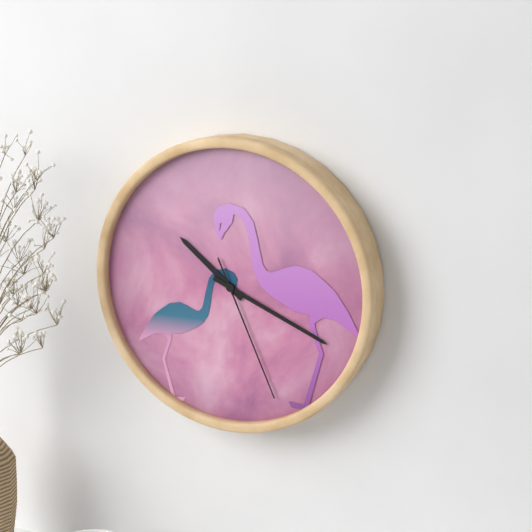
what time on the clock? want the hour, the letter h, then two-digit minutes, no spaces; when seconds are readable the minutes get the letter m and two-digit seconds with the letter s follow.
10h19m26s
